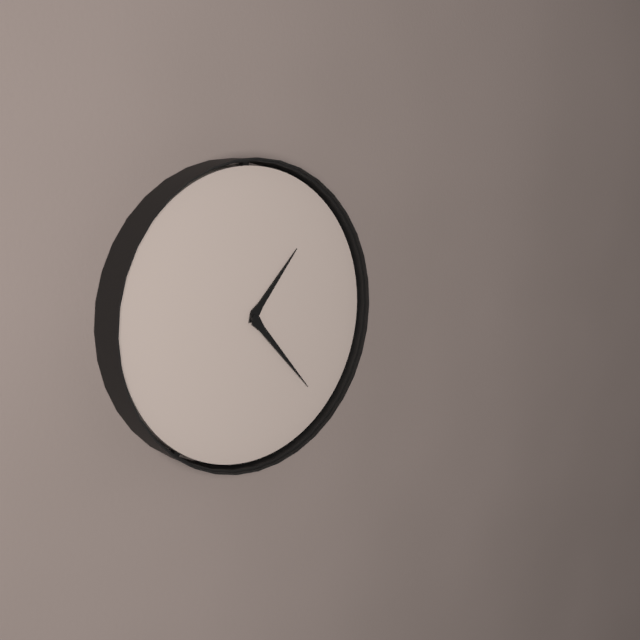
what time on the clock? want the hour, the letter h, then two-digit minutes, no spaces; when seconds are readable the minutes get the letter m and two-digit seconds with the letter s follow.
1h23
